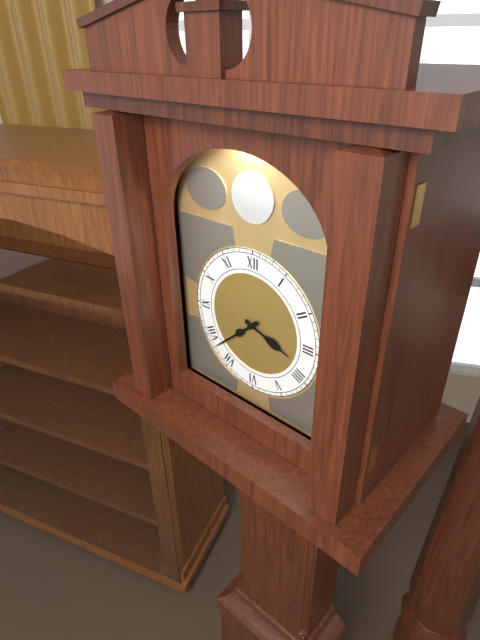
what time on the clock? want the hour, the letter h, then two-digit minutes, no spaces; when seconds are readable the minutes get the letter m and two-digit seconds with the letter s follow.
3h38
